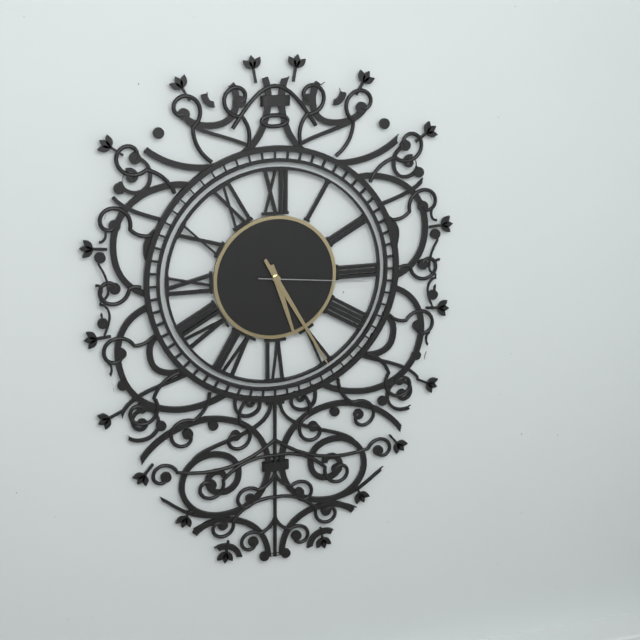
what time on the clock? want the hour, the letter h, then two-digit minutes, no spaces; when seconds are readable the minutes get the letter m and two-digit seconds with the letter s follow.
5h25m16s
